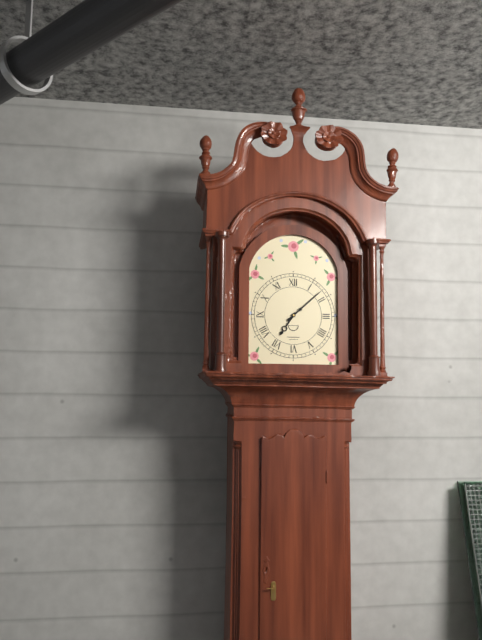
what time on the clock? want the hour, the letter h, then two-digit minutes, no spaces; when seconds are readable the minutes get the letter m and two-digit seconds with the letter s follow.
7h08
